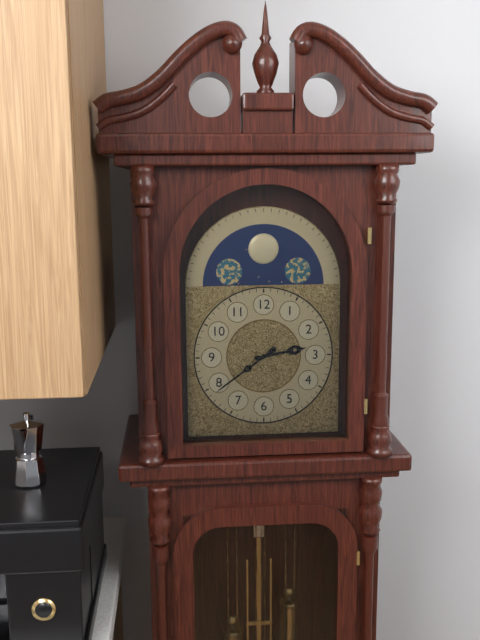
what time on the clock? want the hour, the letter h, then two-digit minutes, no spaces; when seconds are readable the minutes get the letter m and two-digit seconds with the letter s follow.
2h39
